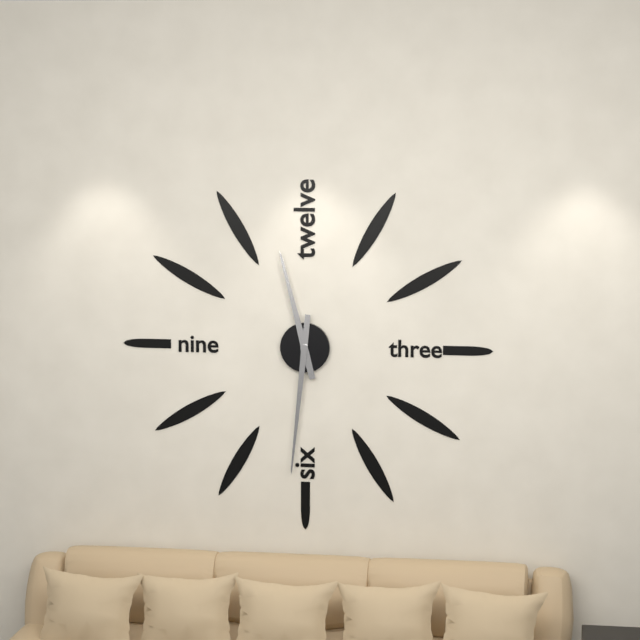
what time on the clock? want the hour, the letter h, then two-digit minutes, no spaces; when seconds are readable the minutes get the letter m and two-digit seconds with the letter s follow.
11h31
